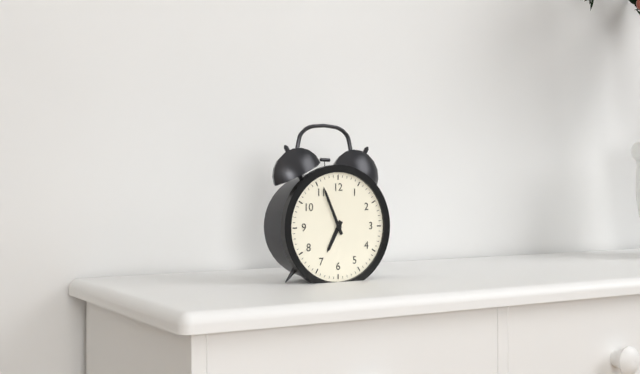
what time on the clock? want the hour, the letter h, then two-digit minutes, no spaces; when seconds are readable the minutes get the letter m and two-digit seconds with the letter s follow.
6h56
